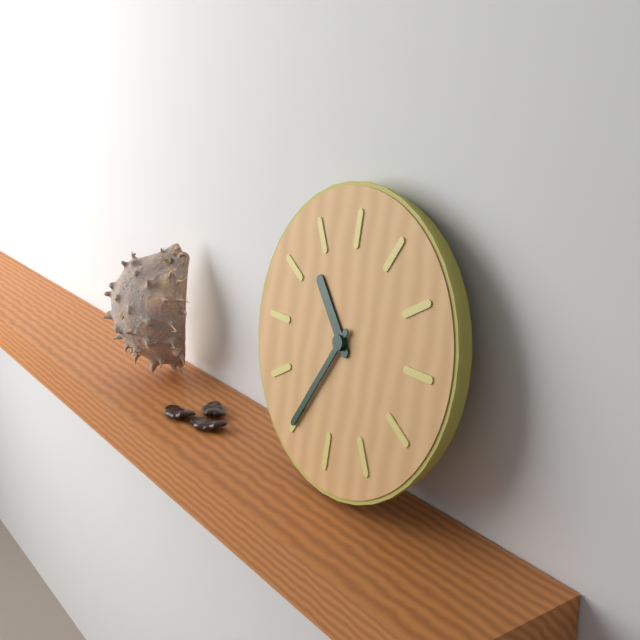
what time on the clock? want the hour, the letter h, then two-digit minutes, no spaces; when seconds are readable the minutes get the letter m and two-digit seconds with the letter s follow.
10h35
